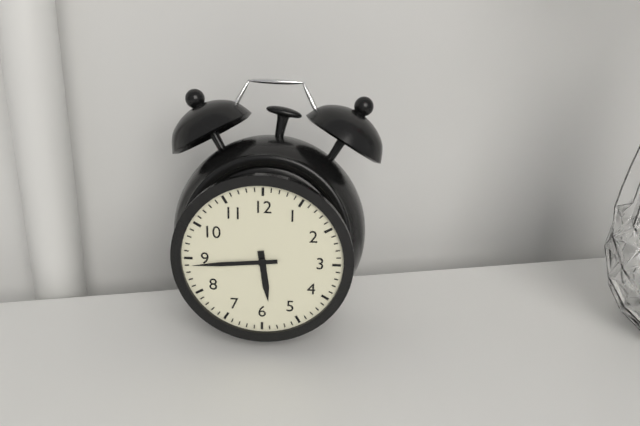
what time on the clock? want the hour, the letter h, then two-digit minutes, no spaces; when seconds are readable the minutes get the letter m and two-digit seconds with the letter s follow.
5h44
